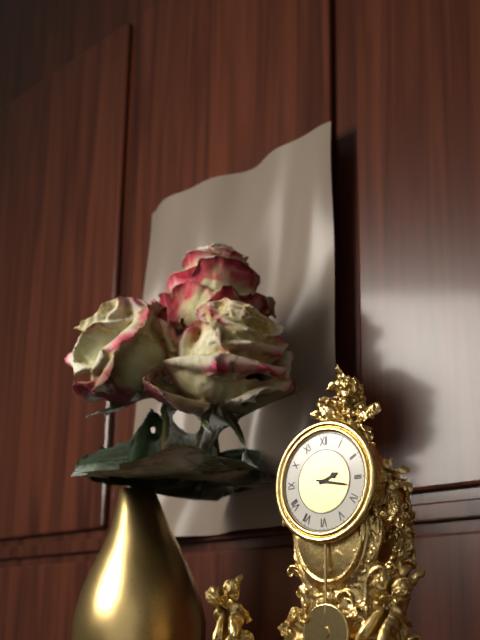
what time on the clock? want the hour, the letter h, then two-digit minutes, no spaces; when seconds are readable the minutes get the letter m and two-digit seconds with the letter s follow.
2h17
